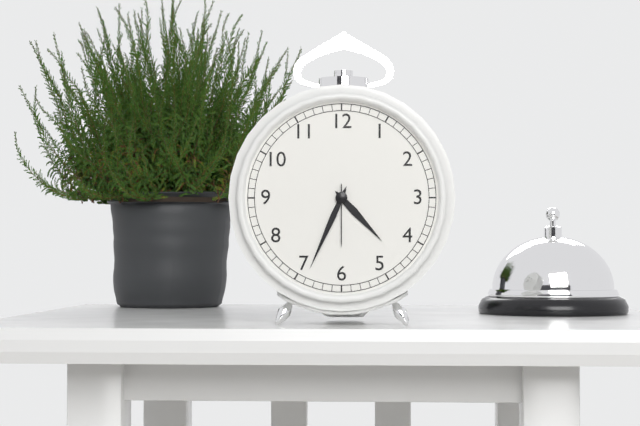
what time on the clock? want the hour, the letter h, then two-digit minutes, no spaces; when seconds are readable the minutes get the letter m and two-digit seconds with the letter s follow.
4h34m30s
